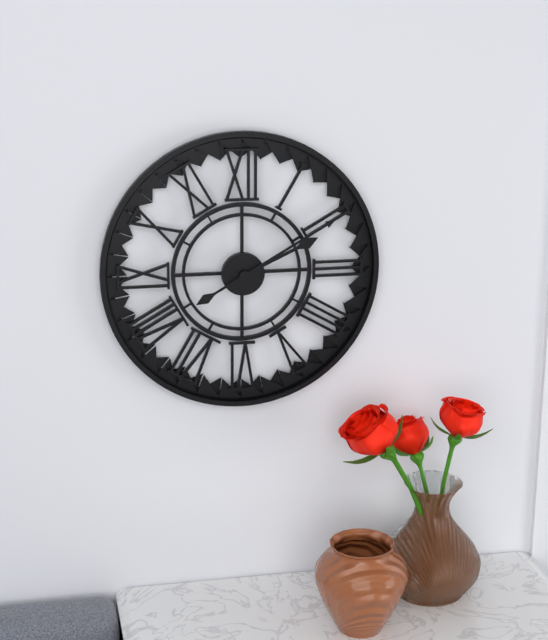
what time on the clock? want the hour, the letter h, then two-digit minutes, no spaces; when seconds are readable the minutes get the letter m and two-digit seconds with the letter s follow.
2h10
